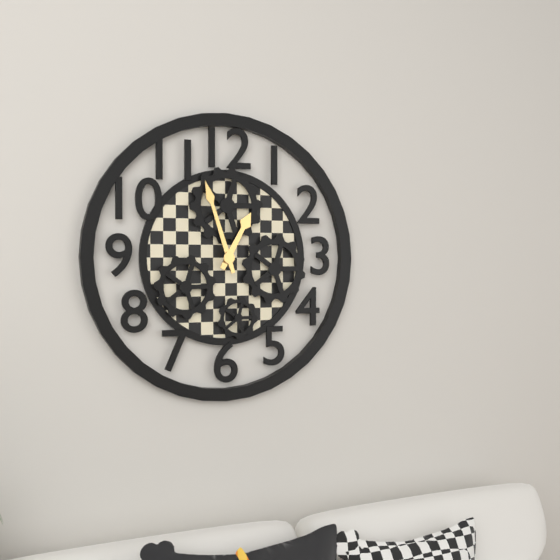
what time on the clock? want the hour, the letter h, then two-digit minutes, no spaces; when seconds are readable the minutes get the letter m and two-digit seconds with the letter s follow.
12h57
